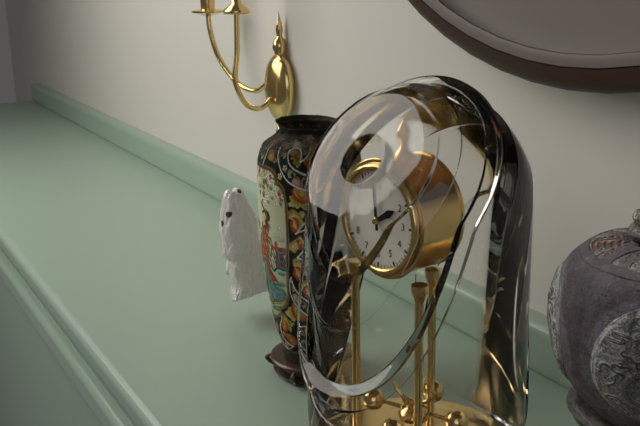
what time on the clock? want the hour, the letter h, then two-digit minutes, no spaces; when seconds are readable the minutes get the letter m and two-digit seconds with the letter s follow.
1h59
